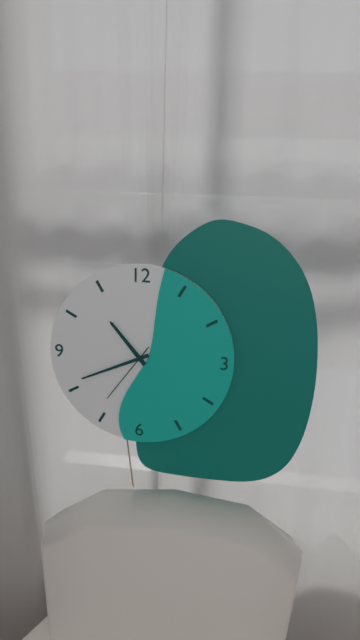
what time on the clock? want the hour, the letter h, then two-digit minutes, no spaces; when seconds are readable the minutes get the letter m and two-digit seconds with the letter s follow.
10h41m36s
